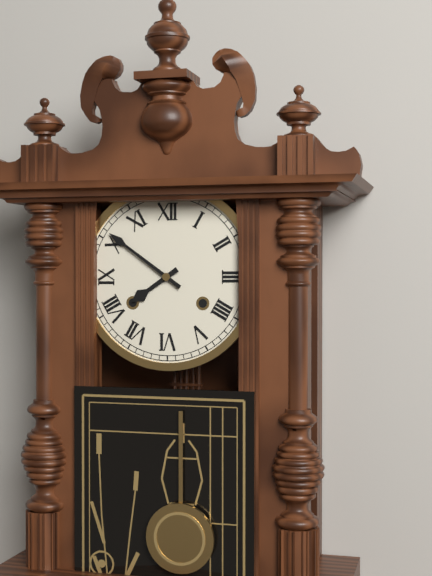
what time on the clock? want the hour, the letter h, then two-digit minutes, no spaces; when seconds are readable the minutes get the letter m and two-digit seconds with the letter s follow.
7h51
